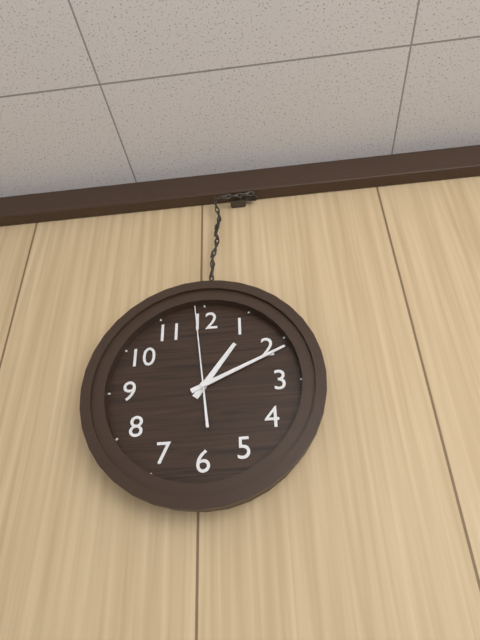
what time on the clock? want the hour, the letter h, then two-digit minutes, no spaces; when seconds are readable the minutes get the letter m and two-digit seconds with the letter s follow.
1h11m59s
